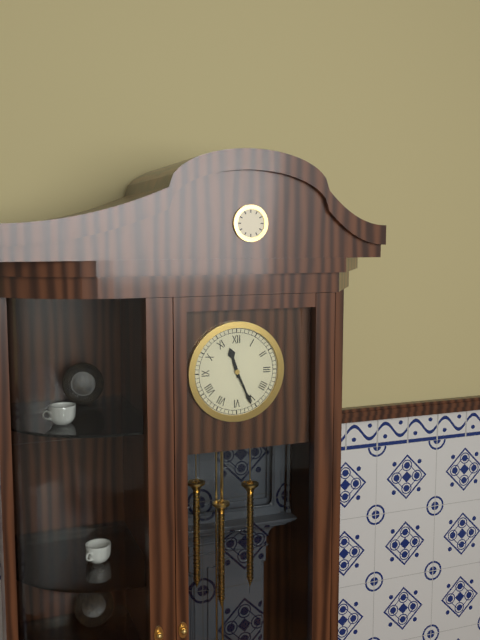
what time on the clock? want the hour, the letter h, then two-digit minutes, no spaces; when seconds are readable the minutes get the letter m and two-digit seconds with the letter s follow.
11h26
